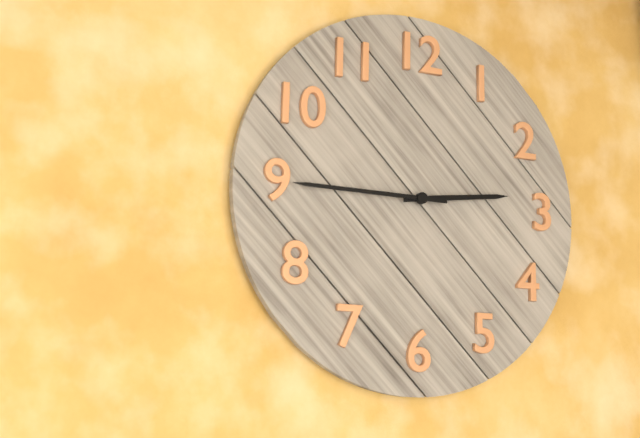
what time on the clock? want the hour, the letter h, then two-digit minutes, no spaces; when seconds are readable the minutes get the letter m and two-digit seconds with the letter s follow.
2h45
